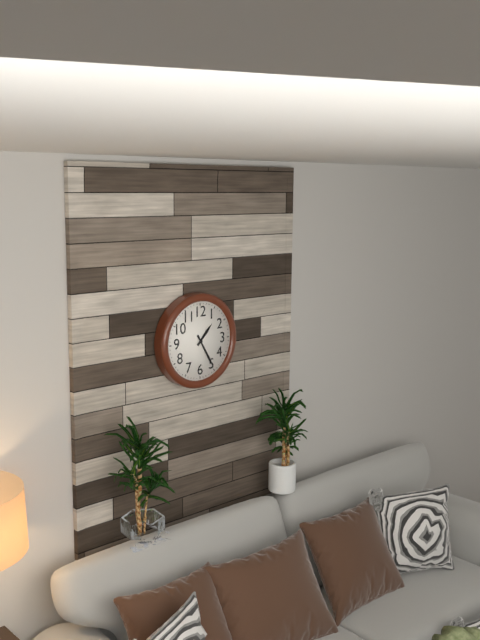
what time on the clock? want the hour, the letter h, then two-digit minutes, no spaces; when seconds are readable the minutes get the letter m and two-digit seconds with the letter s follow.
1h25
